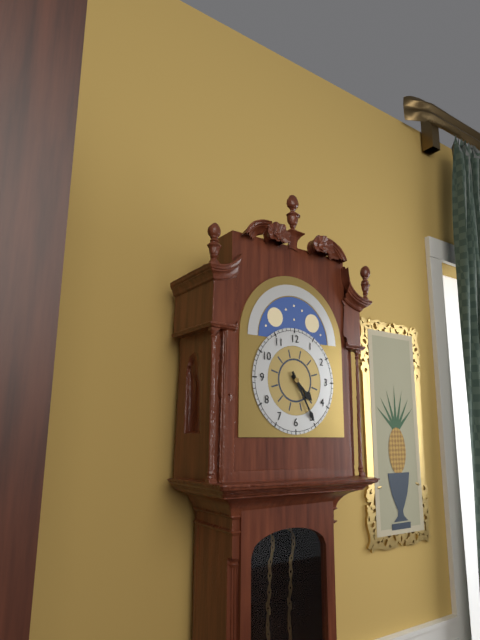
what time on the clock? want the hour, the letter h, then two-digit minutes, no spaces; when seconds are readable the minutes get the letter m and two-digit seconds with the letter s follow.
4h25
